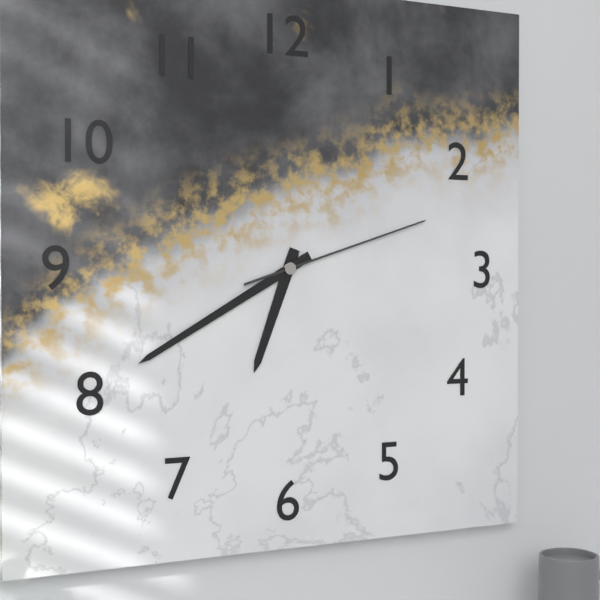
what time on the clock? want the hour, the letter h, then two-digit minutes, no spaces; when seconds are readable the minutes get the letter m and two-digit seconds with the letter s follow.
6h40m12s
